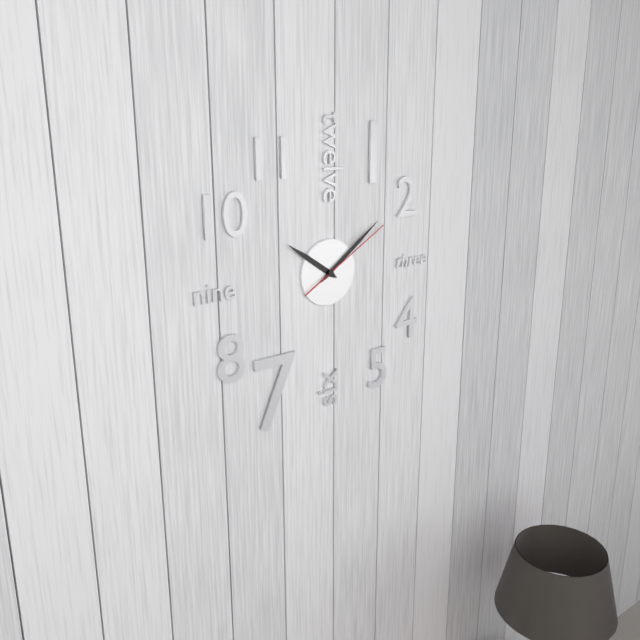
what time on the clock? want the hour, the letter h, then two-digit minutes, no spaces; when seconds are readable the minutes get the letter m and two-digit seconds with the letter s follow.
10h09m10s
